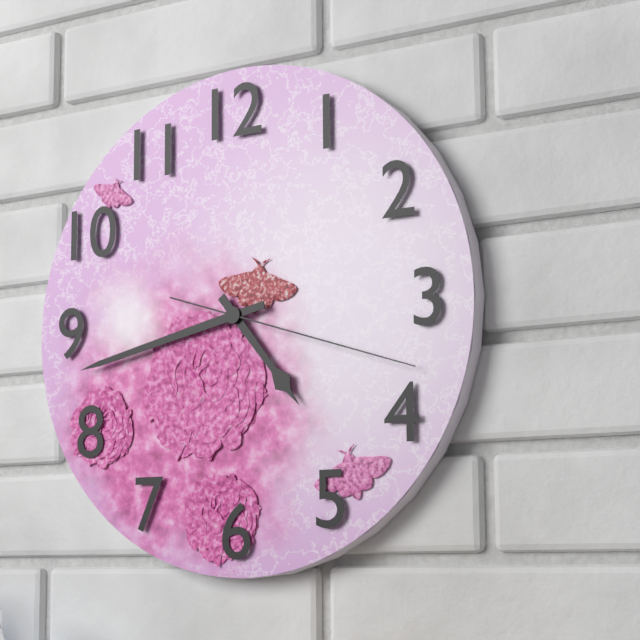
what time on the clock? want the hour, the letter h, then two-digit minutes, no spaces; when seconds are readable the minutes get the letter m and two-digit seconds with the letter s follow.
4h43m18s
